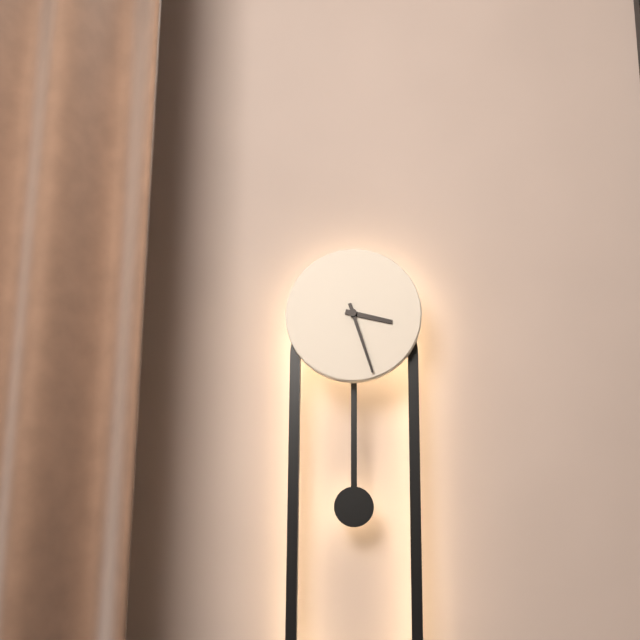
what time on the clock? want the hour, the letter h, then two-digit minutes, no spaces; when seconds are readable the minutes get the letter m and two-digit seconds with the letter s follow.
3h27
